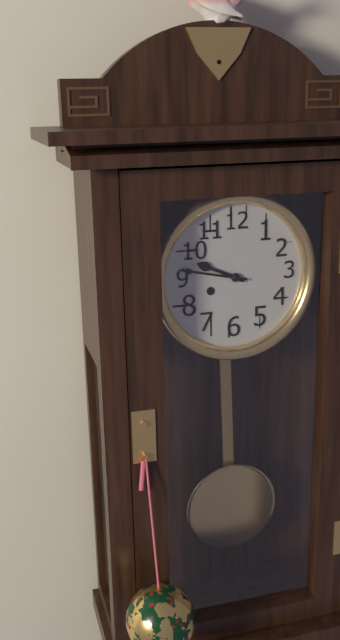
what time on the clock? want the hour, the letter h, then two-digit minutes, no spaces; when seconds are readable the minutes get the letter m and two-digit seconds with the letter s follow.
9h47
